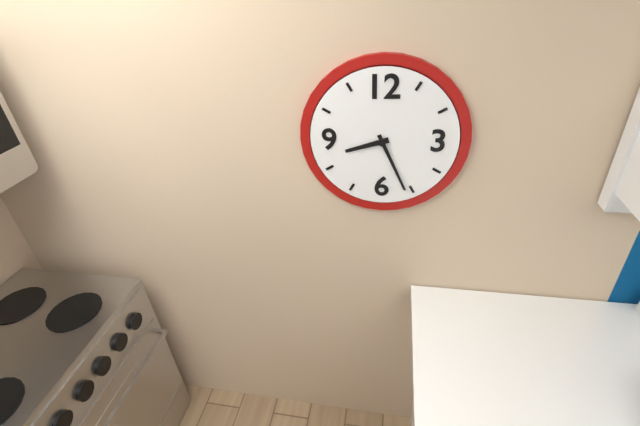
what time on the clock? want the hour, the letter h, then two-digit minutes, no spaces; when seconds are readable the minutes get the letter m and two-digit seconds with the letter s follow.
8h26
